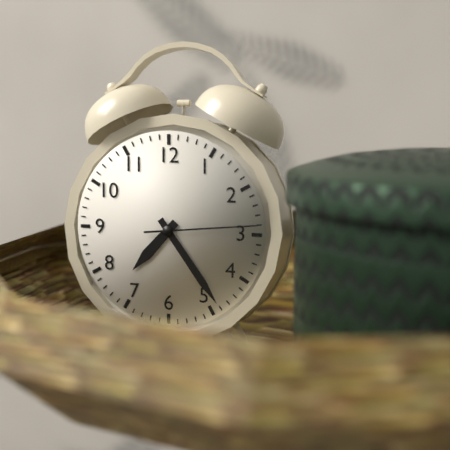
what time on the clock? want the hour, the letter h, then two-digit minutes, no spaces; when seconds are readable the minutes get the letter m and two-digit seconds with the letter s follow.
7h24m14s
